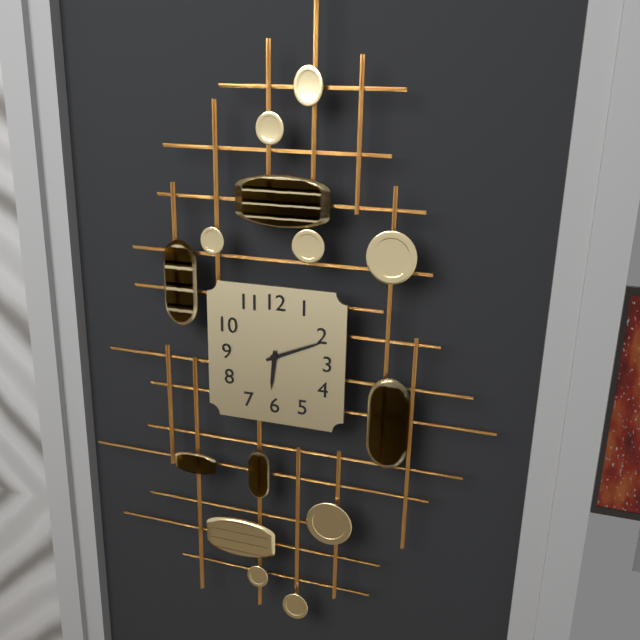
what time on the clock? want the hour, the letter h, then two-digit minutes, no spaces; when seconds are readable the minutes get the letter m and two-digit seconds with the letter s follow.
6h11
